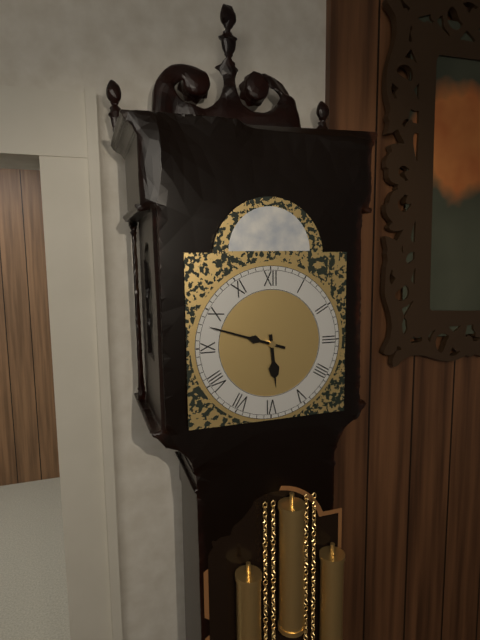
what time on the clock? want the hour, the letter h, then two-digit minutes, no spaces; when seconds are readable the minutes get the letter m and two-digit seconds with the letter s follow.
5h48
